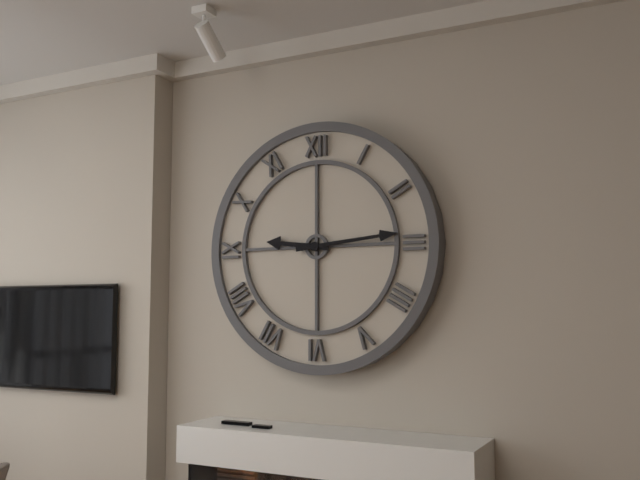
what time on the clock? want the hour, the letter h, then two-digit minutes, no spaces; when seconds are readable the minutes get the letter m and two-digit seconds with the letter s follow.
9h14
